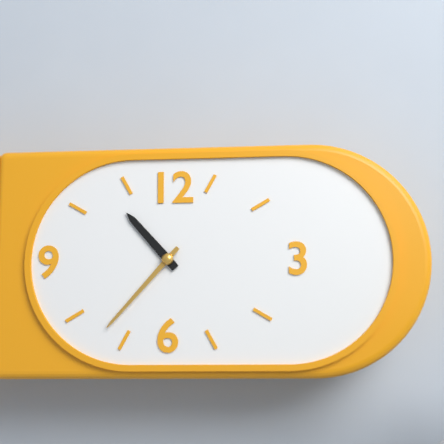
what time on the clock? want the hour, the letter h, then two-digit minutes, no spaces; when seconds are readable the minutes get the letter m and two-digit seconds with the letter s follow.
10h37
